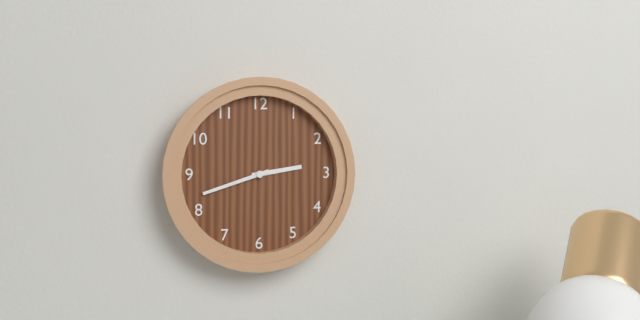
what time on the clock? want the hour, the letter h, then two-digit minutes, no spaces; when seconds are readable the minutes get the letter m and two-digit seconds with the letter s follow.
2h42
